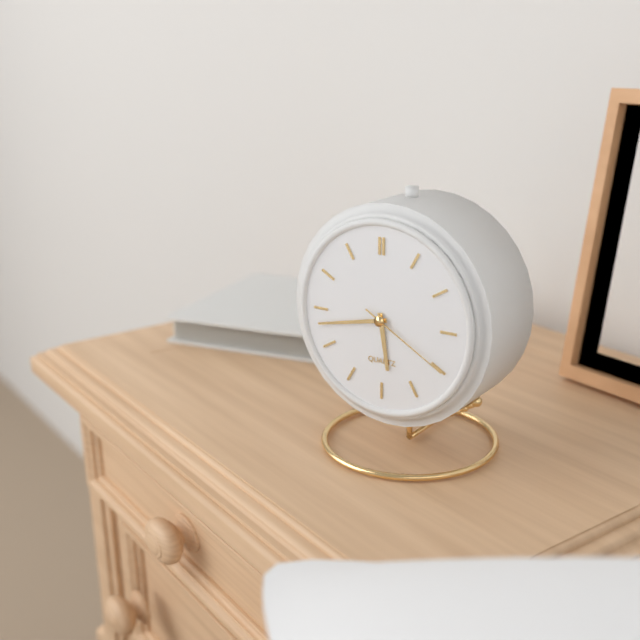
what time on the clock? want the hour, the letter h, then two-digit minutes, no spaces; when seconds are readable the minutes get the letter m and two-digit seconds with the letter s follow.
5h43m20s
